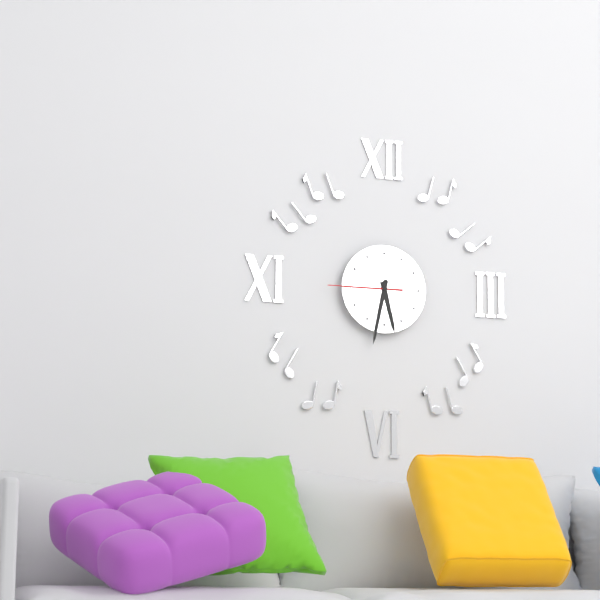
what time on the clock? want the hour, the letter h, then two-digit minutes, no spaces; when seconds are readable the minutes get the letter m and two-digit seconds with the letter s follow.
5h32m45s
